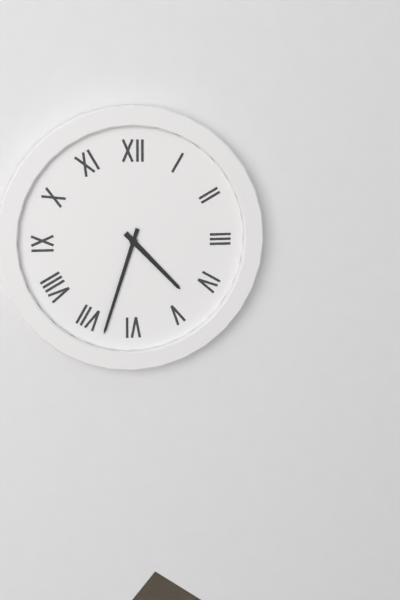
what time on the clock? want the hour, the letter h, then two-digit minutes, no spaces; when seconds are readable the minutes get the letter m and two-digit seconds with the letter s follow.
4h33
